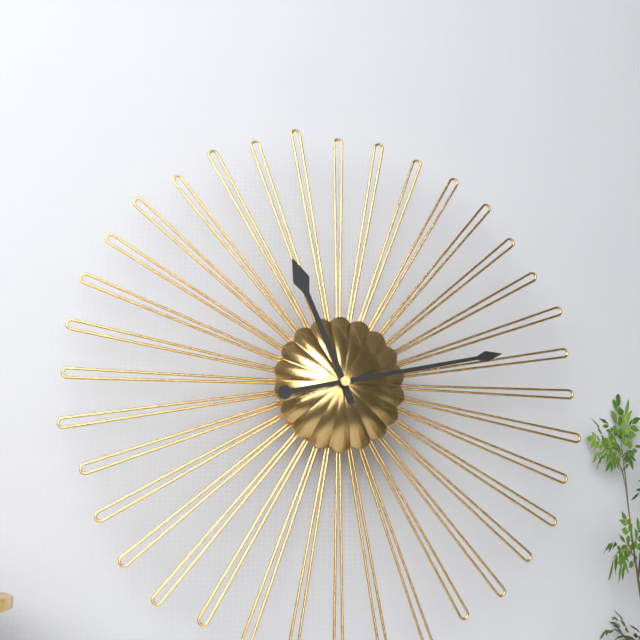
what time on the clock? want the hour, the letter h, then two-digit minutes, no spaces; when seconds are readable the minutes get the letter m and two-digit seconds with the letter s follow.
11h13
